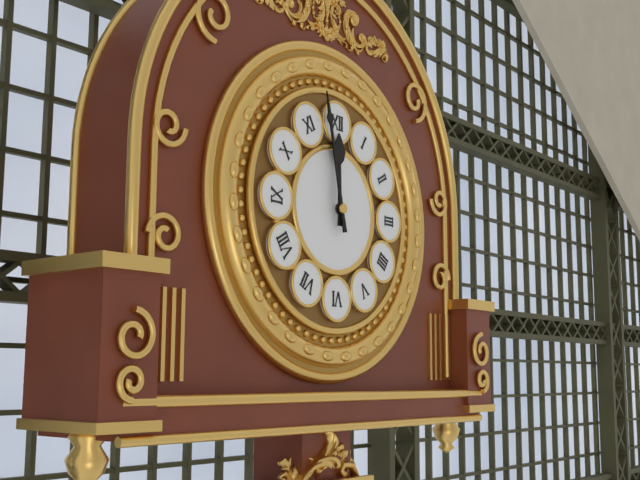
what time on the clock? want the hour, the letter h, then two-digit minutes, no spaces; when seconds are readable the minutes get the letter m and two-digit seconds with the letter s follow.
11h58
